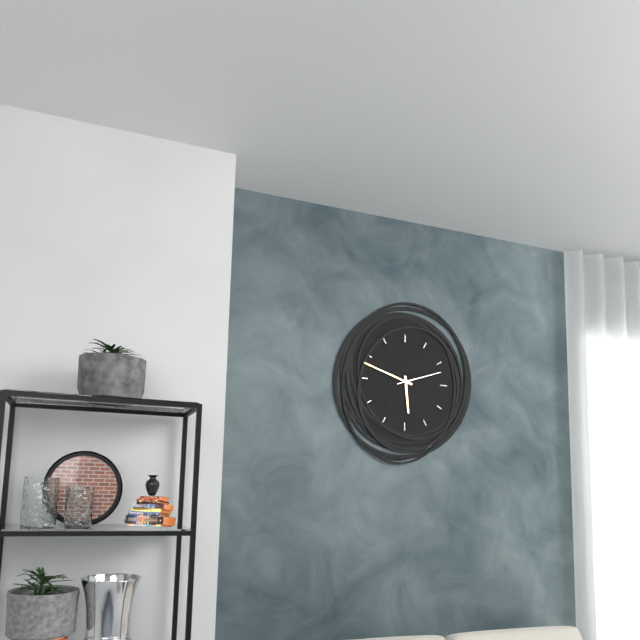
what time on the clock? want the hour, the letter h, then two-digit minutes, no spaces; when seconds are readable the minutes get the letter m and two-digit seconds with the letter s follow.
5h48
